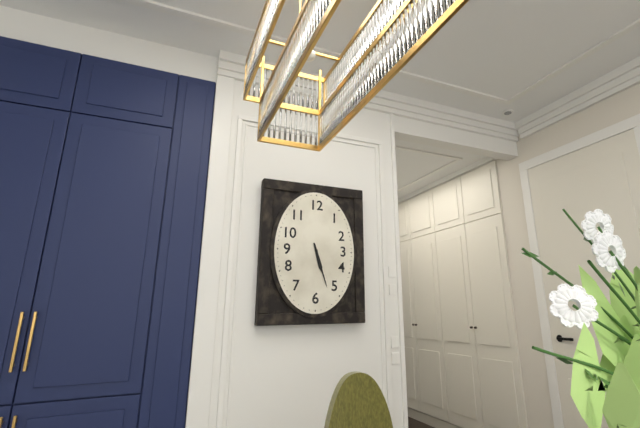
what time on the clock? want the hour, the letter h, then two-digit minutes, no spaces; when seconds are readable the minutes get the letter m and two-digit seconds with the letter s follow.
5h27
